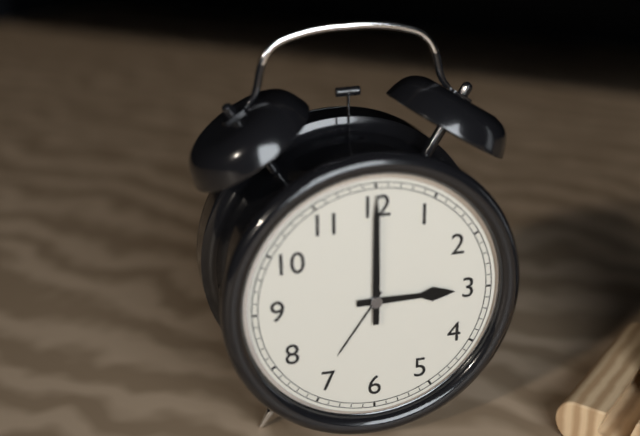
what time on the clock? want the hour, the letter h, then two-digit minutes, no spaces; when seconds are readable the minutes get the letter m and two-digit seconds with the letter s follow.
3h00
